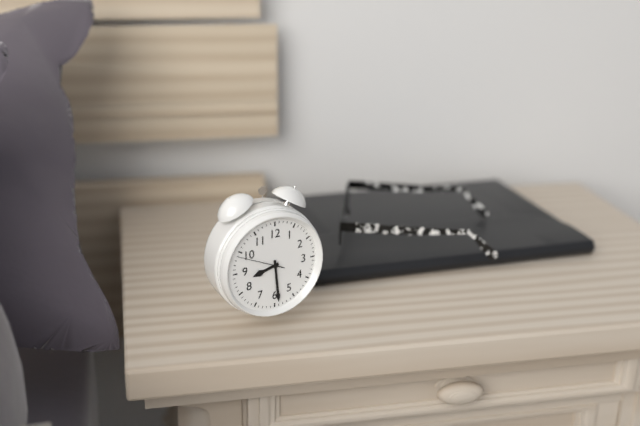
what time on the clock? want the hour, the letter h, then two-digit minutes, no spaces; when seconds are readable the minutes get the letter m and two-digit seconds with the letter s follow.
8h29
